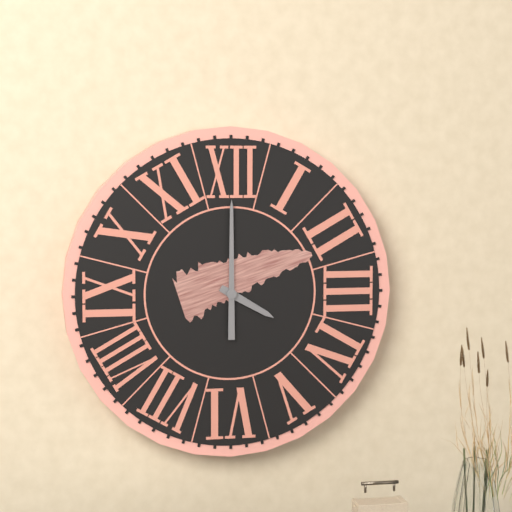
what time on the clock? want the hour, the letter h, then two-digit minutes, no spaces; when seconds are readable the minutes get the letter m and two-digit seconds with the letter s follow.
4h00
